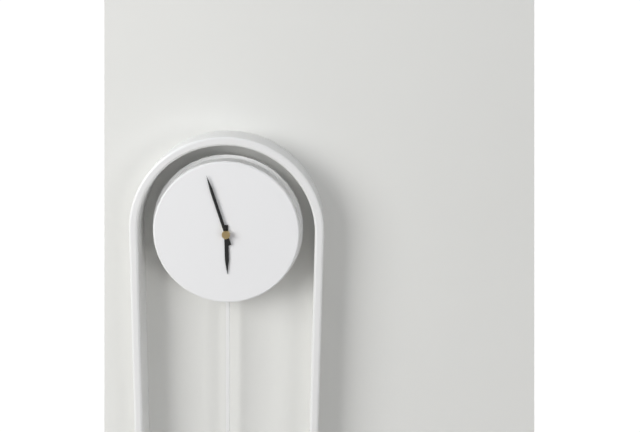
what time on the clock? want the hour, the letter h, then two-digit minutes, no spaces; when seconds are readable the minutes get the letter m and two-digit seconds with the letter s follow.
5h57
